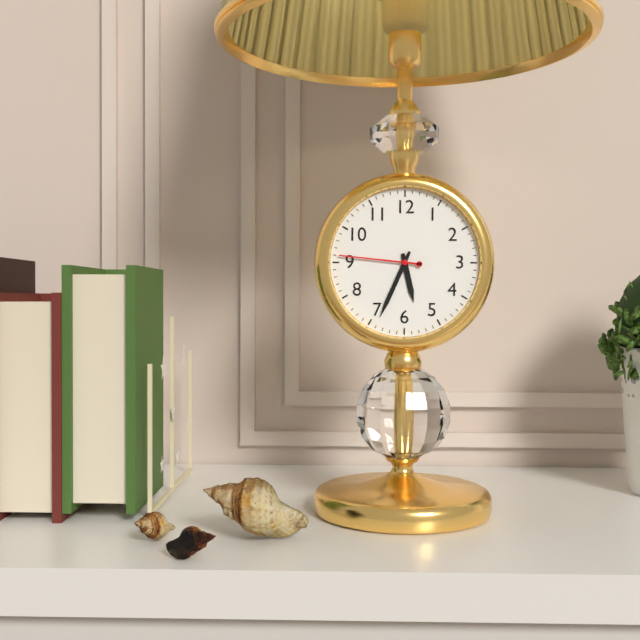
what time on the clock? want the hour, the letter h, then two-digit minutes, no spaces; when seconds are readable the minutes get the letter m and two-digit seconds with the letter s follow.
5h34m46s
